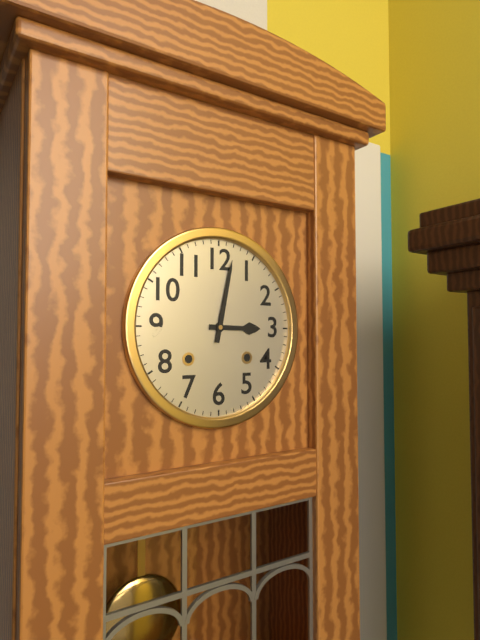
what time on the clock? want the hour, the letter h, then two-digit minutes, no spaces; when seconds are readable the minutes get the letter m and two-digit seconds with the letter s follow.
3h02
